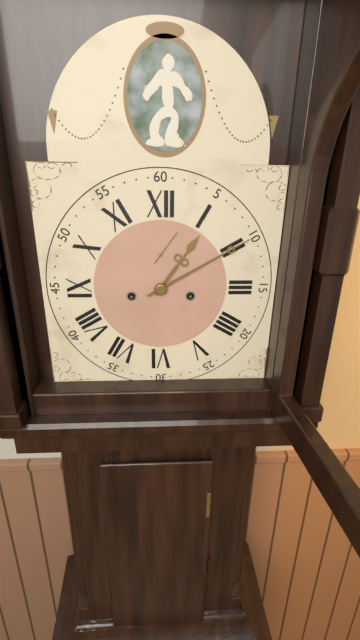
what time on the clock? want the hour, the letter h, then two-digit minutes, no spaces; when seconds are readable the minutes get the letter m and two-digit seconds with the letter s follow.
1h10
